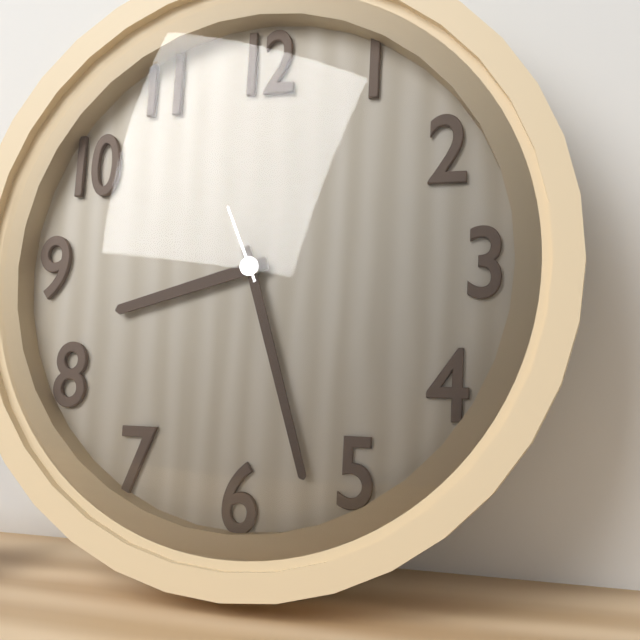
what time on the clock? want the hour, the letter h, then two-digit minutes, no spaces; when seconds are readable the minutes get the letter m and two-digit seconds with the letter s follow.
8h27m56s
